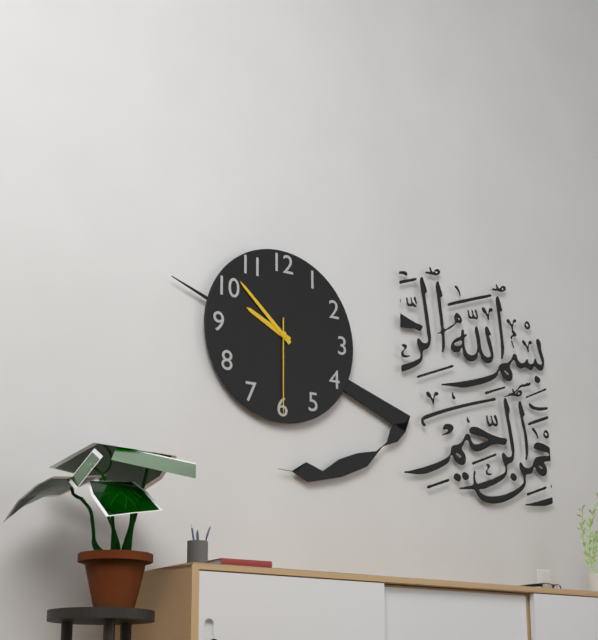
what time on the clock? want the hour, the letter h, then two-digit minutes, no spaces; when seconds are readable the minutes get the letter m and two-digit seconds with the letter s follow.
9h52m30s
